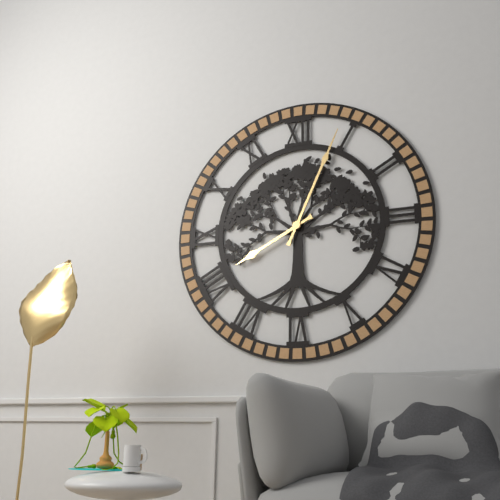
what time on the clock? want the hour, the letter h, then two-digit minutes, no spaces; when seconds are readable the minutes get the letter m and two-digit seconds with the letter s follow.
8h04
